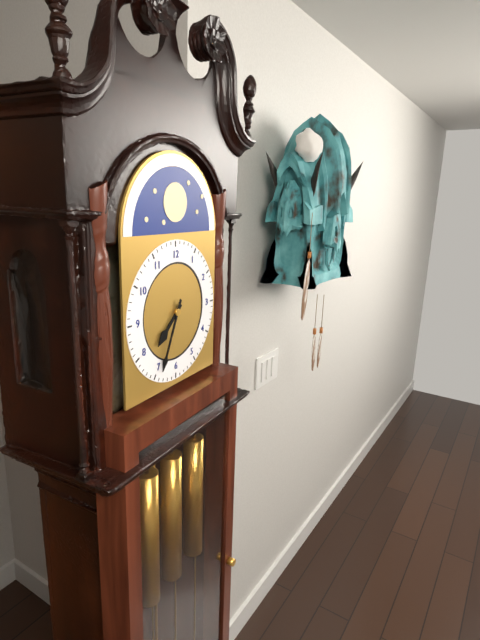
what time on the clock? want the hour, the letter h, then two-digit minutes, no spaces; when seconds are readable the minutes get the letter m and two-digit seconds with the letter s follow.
7h34
